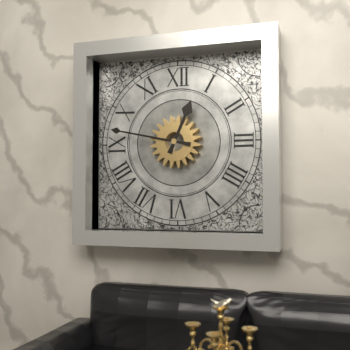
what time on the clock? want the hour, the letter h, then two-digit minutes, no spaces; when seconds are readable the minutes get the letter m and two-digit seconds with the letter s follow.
12h47
